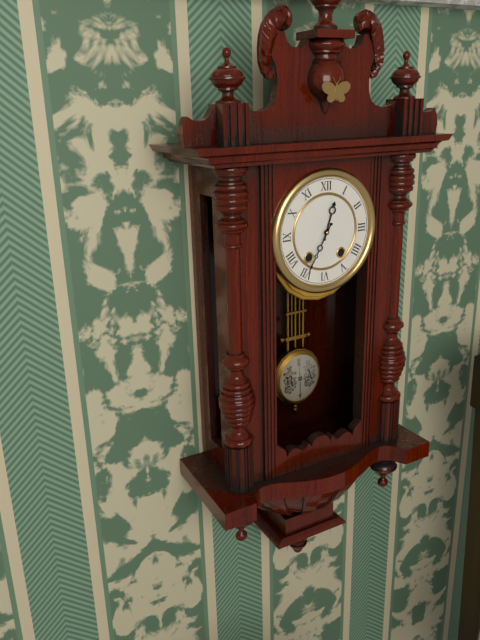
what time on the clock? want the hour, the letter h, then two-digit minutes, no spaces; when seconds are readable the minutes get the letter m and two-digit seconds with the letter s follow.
12h35
